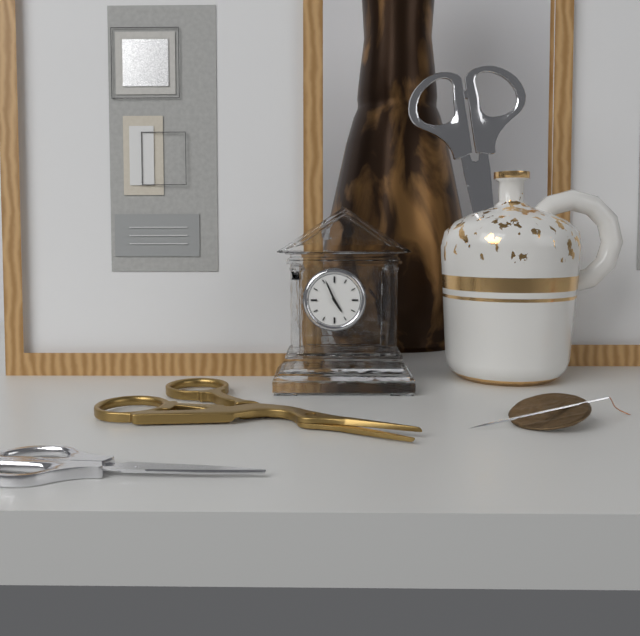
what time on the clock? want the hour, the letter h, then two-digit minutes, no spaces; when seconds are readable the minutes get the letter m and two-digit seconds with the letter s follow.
4h56
